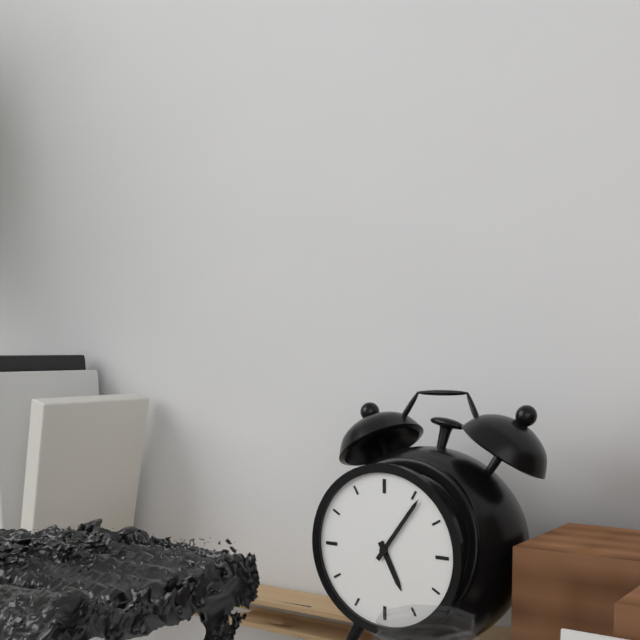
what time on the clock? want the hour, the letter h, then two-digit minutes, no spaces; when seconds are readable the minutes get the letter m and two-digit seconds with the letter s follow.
5h06
